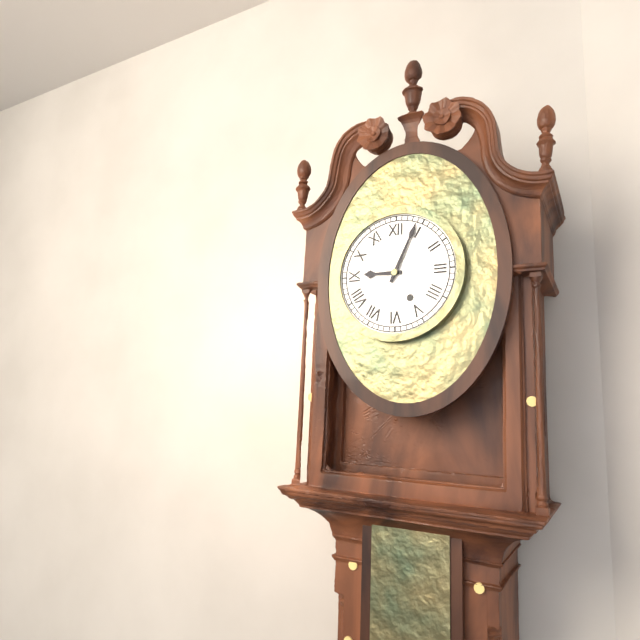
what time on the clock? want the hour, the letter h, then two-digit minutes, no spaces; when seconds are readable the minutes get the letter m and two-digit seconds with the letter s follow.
9h04
